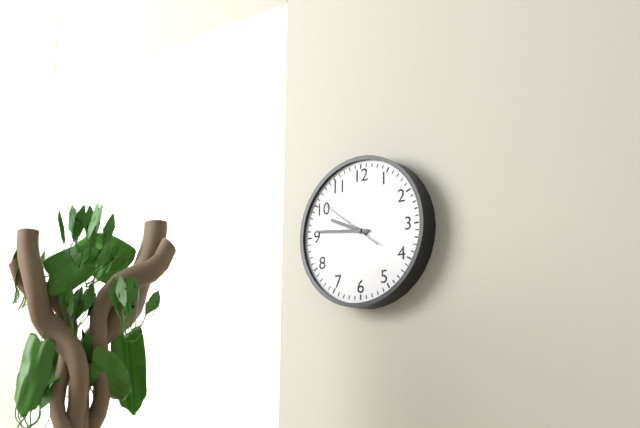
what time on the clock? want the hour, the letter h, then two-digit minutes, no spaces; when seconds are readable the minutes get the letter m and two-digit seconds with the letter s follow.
9h46m51s
